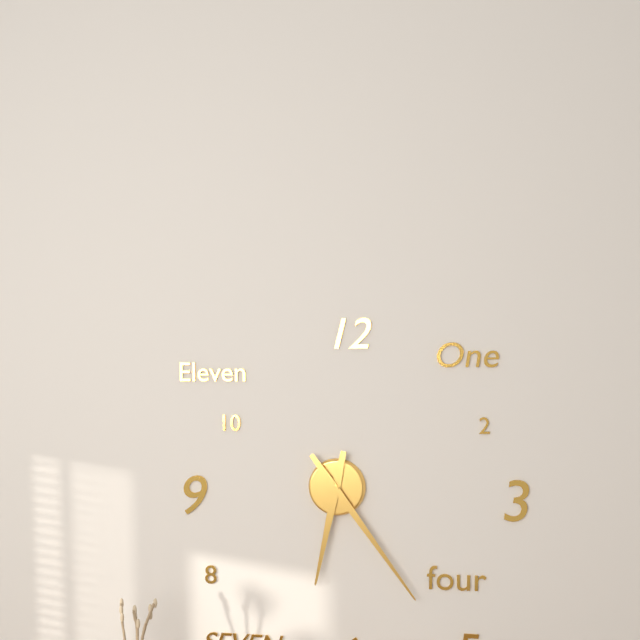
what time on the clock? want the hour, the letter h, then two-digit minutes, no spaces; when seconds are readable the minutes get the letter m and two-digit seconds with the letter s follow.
6h24
